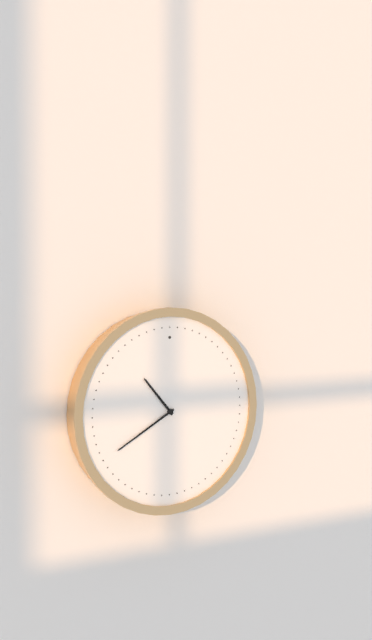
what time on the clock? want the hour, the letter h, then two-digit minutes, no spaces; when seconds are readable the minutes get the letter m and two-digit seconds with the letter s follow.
10h40
